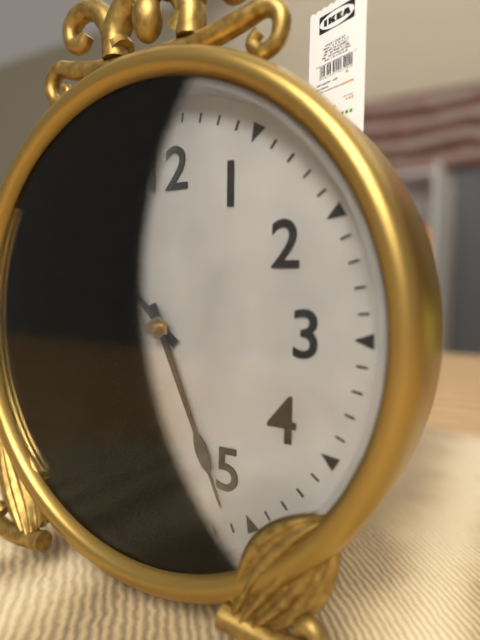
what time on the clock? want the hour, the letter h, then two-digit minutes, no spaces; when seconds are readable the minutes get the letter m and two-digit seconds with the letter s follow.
10h26
